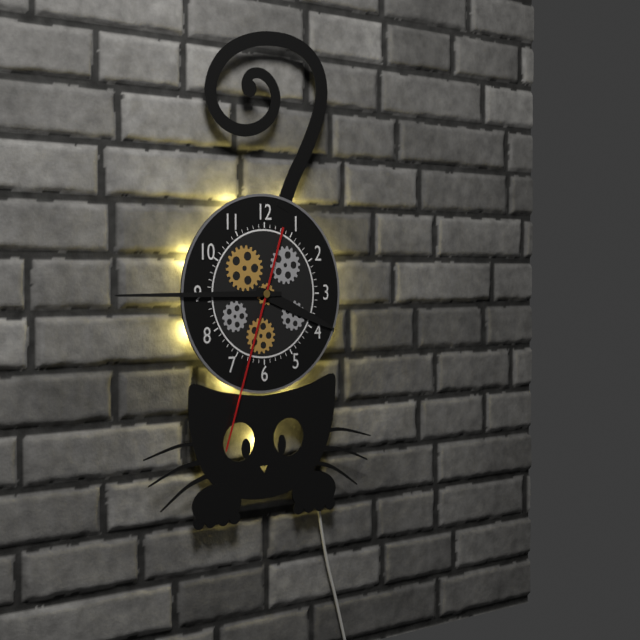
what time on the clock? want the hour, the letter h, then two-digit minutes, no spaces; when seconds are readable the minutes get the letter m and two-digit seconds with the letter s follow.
3h45m33s
